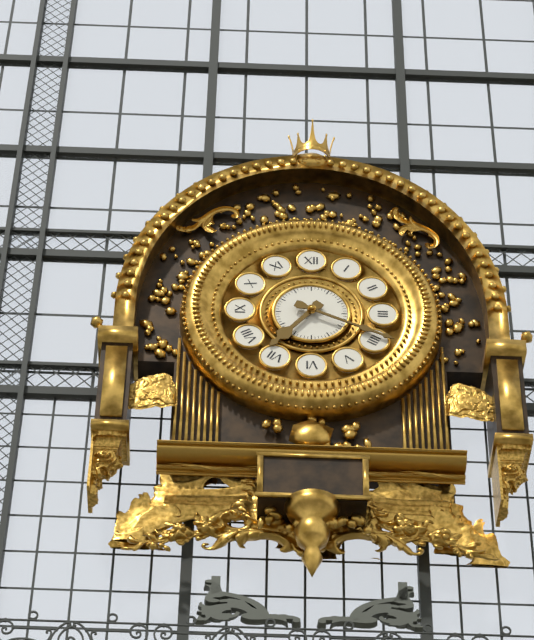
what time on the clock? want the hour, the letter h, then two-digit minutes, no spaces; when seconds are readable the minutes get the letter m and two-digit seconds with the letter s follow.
7h19
